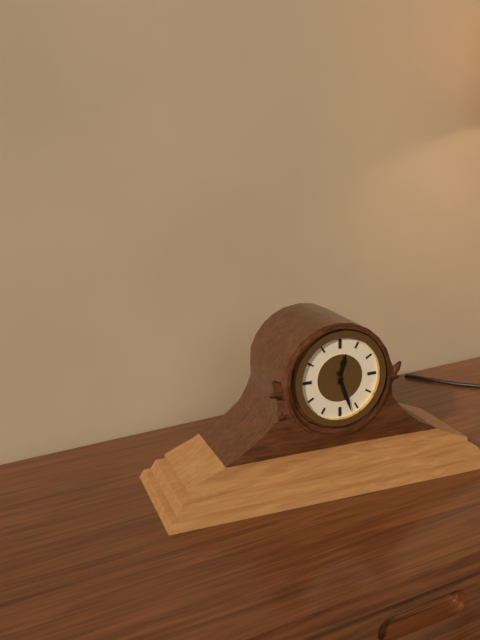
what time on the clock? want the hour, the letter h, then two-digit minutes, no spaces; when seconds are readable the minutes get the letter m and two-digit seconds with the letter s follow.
12h27
